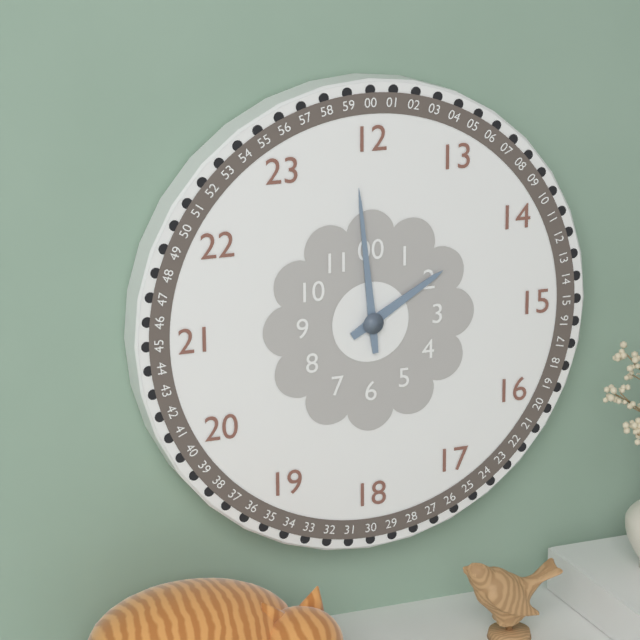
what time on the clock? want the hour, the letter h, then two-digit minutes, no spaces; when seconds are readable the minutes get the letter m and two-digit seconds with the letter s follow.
1h59
